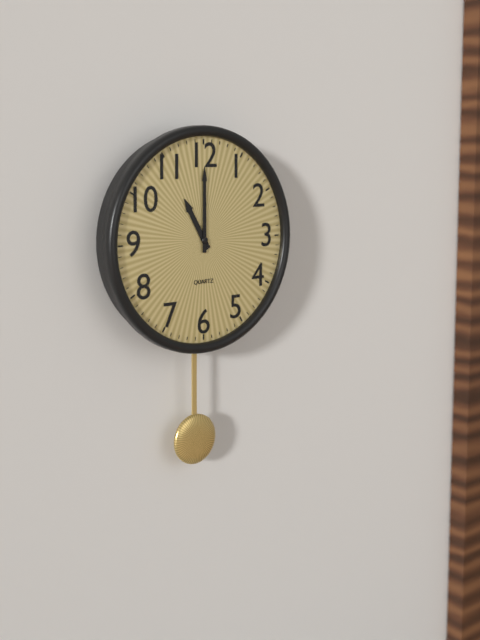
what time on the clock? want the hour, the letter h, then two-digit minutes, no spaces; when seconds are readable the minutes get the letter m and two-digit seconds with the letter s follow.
11h00
